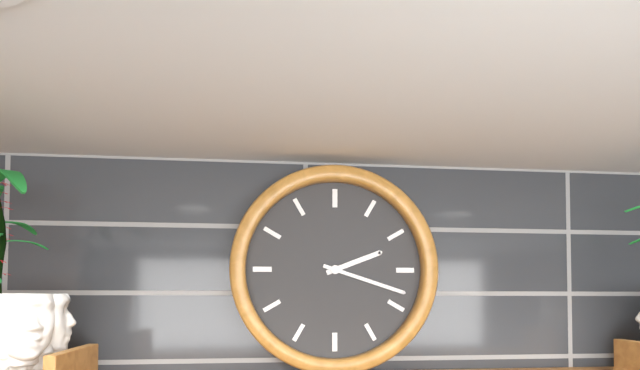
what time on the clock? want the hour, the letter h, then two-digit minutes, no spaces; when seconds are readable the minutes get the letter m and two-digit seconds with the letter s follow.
2h18
